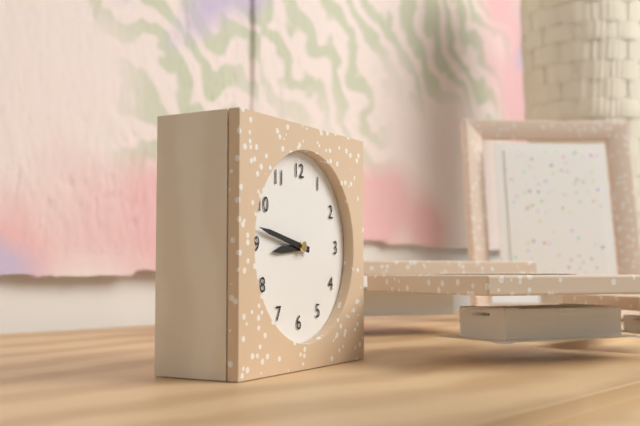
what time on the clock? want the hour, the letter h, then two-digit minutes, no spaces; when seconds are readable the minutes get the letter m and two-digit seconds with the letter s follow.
8h47
